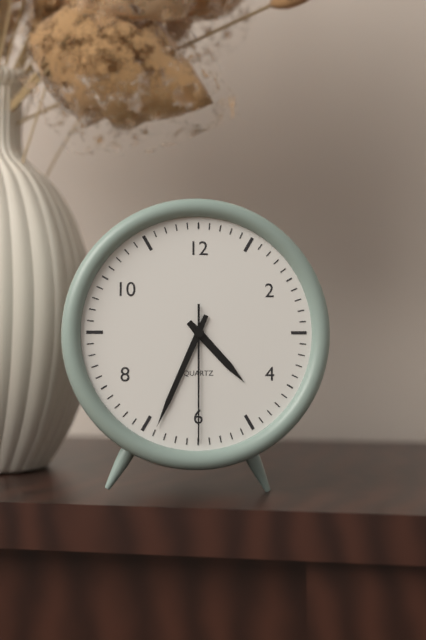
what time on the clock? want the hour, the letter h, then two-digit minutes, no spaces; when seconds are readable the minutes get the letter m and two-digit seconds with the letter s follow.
4h34m30s
